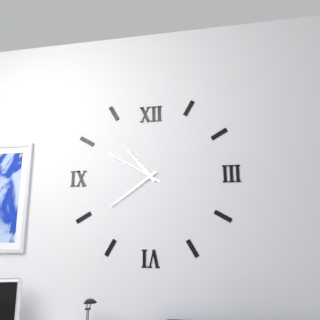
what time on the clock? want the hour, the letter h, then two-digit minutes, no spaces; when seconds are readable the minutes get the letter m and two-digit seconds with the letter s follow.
10h39m50s
